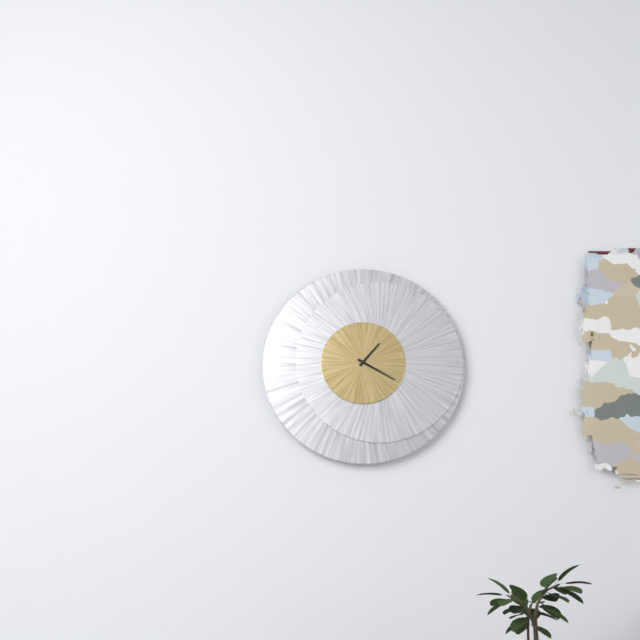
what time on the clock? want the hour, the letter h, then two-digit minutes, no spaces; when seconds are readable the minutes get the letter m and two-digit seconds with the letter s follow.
1h20
